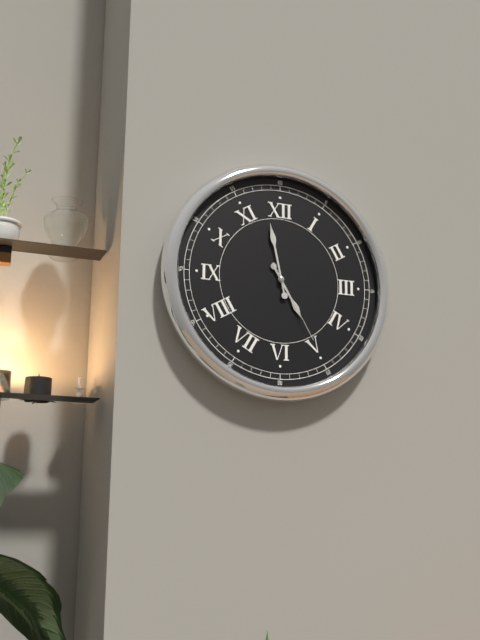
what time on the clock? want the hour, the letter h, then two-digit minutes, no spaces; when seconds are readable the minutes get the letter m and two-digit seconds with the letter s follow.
4h58m25s
